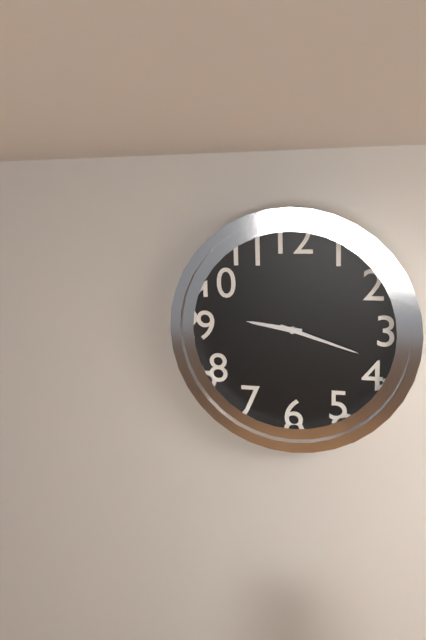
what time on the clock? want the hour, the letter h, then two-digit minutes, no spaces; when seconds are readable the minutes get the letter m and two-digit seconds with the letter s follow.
9h18
